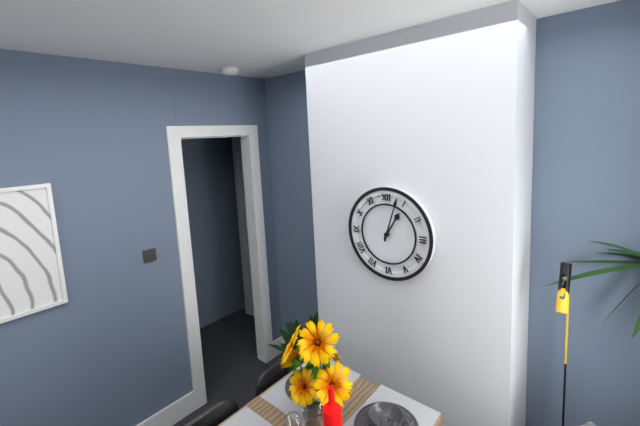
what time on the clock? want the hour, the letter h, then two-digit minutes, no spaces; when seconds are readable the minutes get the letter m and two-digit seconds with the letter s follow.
1h03
